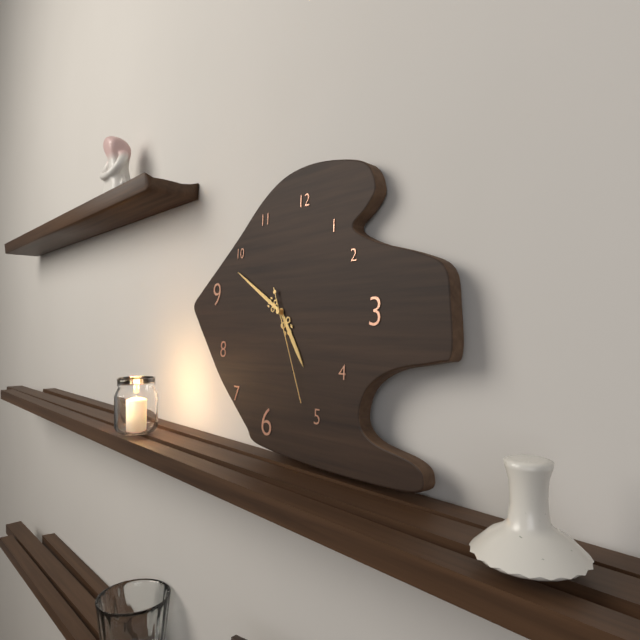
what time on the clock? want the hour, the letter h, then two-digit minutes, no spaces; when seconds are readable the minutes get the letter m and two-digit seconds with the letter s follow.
4h50m26s
